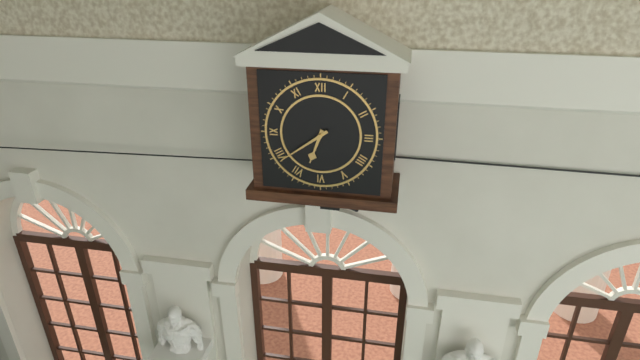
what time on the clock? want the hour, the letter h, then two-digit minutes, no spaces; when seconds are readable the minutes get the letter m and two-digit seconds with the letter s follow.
6h39
